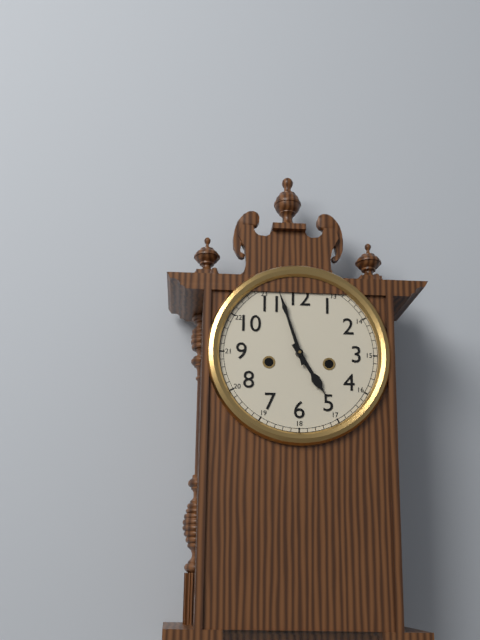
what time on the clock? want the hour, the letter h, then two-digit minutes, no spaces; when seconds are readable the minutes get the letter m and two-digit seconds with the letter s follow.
4h57
